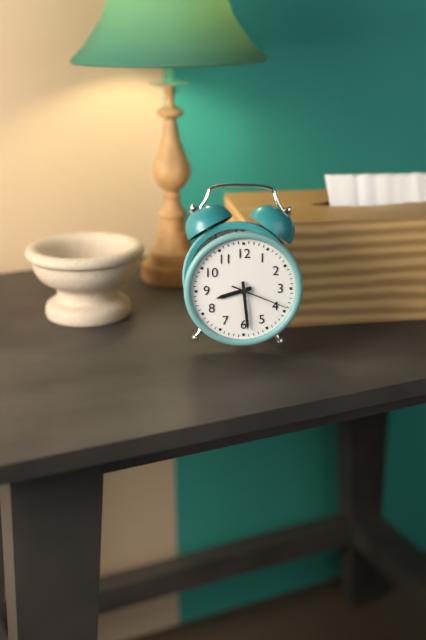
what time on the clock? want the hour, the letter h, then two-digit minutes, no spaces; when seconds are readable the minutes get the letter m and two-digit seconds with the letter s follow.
8h29m19s
